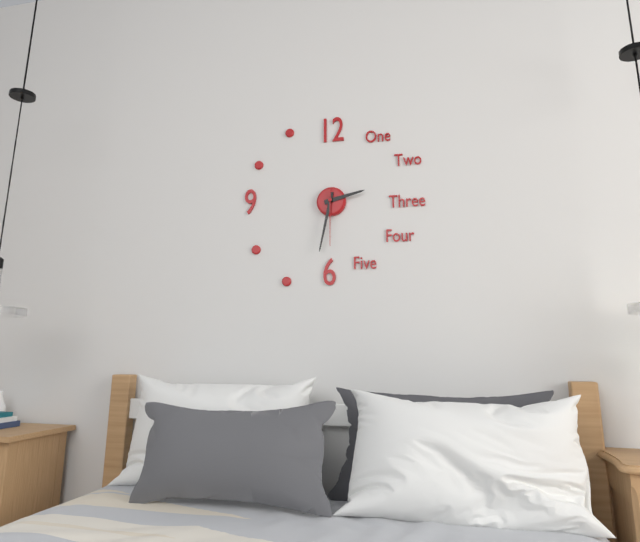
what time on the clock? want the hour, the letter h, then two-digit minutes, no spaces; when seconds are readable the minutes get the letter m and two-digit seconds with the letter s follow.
2h32m30s
